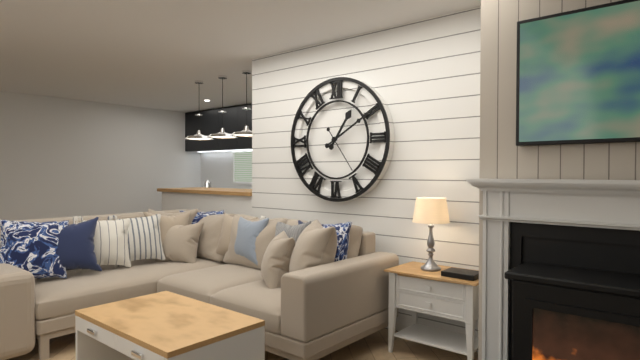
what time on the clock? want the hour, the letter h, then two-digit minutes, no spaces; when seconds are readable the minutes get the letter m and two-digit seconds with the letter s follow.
1h10
